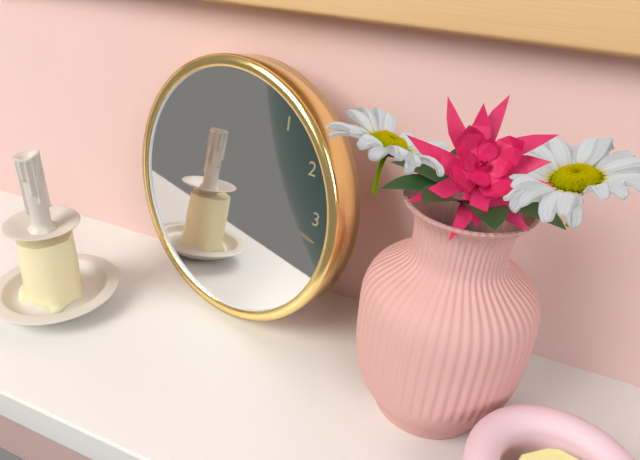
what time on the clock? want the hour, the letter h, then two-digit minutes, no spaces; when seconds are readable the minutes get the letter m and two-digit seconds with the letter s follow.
4h17m26s
